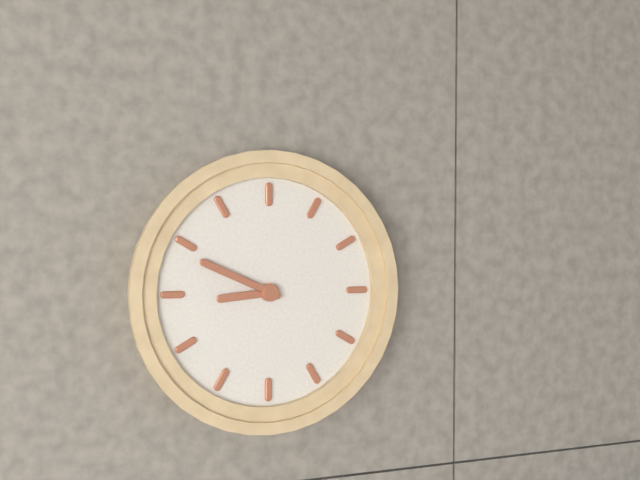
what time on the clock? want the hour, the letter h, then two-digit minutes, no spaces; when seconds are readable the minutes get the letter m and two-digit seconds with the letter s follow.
8h49
